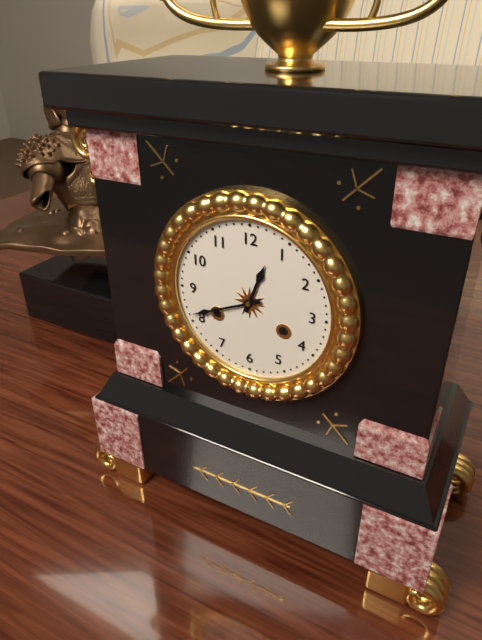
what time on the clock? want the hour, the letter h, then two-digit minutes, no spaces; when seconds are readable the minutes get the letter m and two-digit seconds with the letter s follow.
12h41
